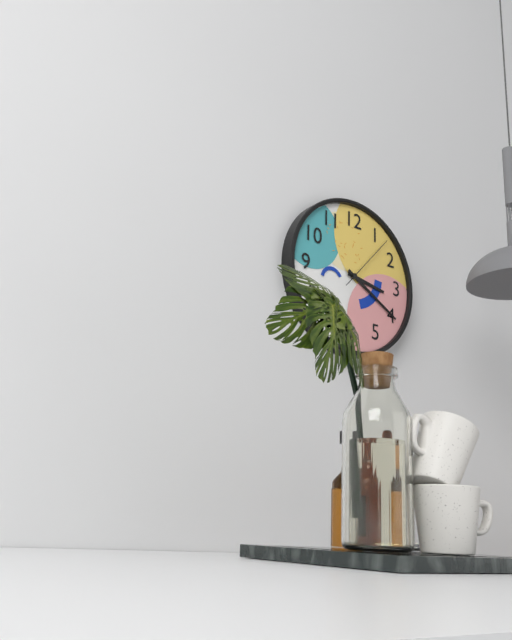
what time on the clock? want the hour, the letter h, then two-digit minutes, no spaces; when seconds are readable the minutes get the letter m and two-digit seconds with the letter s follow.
3h20m07s
